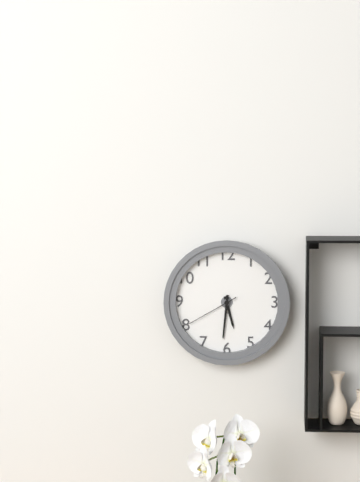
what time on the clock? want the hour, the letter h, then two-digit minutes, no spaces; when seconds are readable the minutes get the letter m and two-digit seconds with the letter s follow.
5h31m40s
